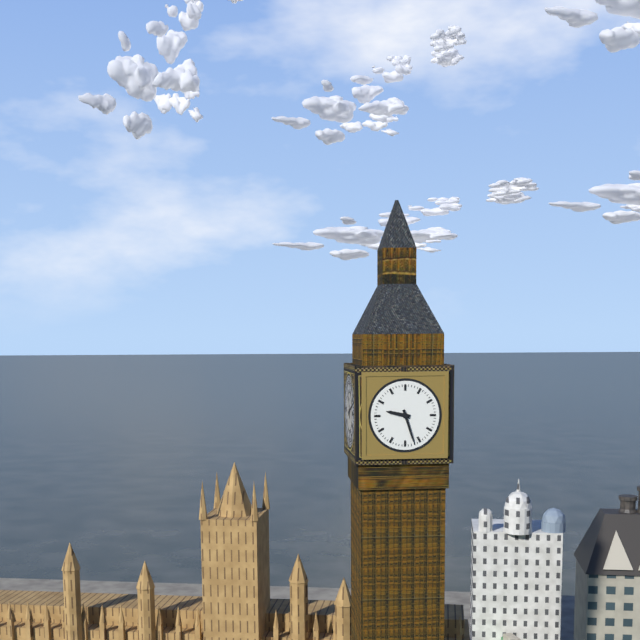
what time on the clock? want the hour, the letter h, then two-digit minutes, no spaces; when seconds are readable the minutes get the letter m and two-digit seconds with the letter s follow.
9h27
